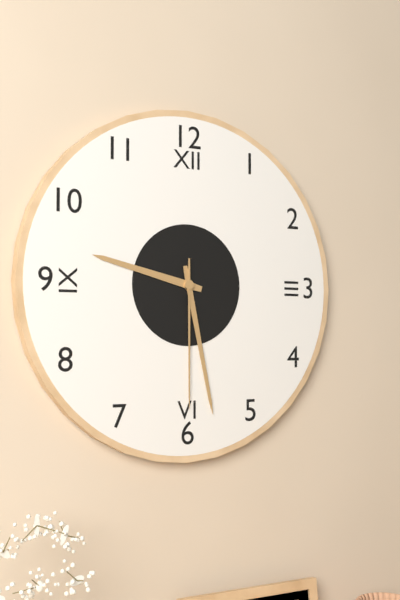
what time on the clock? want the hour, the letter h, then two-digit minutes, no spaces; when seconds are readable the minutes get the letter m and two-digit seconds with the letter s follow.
9h28m30s
